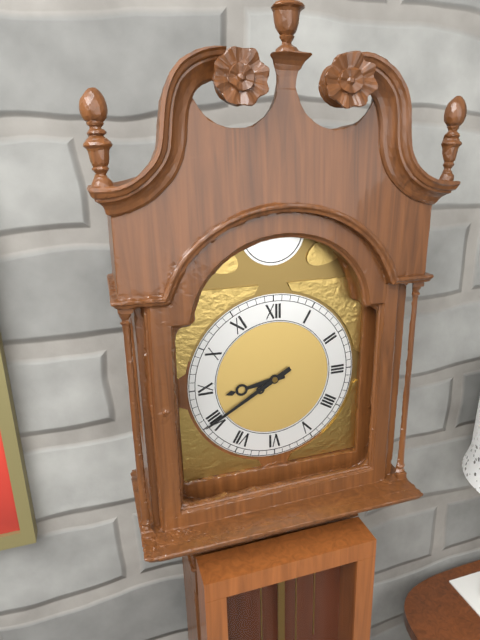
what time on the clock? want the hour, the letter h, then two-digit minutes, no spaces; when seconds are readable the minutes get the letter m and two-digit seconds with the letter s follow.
8h40
